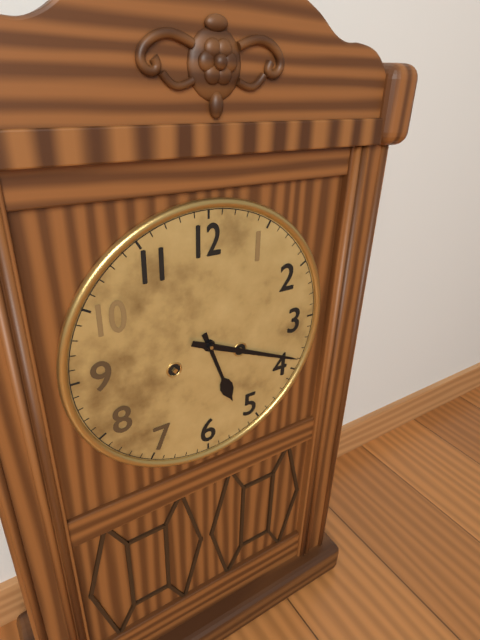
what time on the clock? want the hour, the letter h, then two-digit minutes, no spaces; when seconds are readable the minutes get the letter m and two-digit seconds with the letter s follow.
5h19
